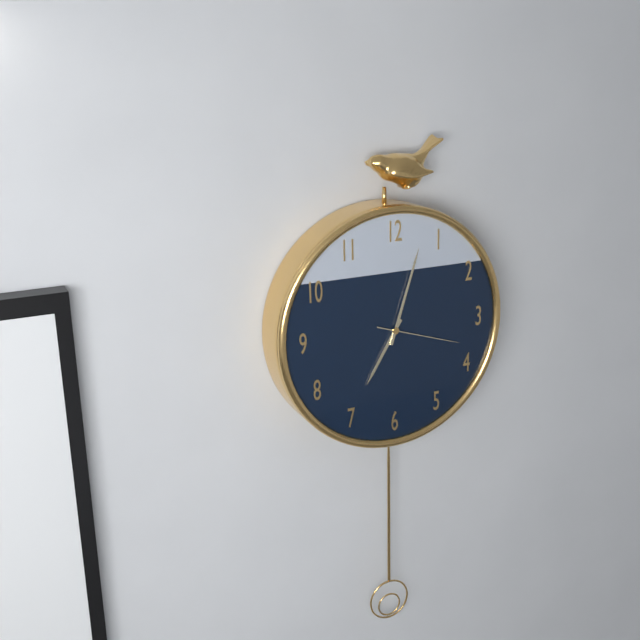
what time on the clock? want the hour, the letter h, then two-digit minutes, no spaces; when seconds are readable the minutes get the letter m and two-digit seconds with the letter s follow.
7h03m18s
